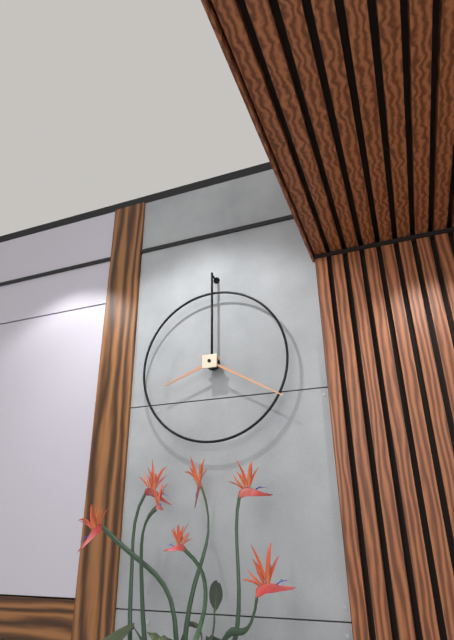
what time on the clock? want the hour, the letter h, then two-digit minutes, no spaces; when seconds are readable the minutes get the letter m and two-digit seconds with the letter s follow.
8h20
